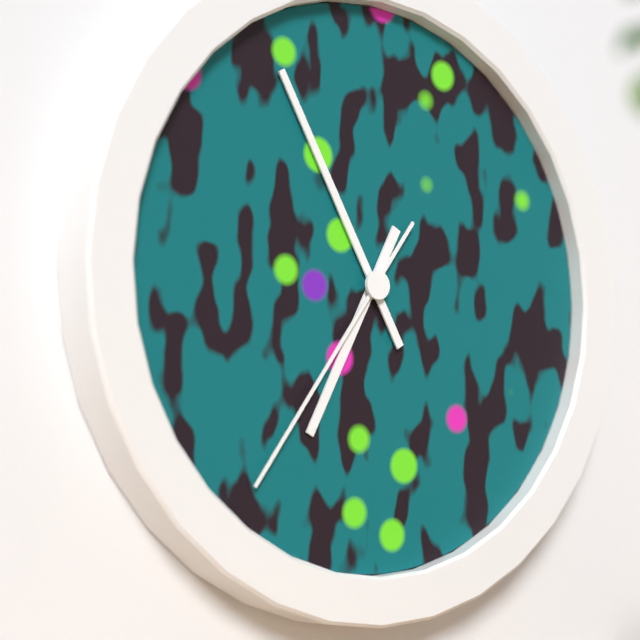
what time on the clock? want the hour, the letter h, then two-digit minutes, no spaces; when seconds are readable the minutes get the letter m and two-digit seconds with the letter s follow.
6h55m36s
